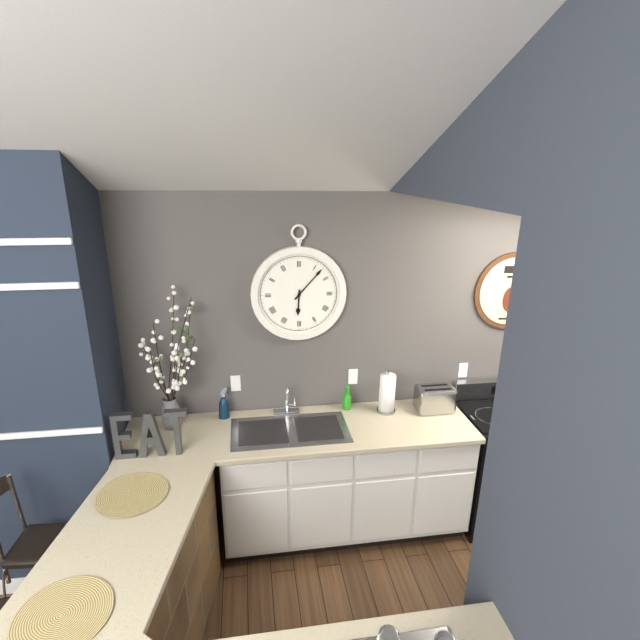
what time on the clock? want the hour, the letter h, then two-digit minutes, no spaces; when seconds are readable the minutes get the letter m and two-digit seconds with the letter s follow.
6h07
